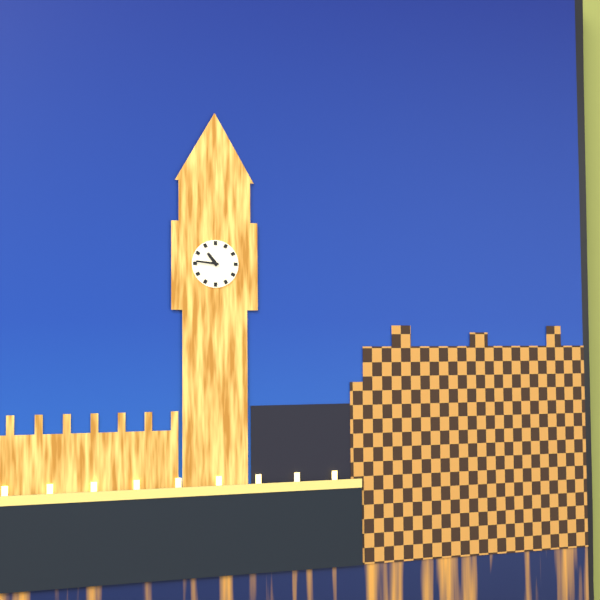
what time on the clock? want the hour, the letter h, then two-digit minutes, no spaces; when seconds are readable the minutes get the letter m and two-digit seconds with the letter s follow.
10h46
